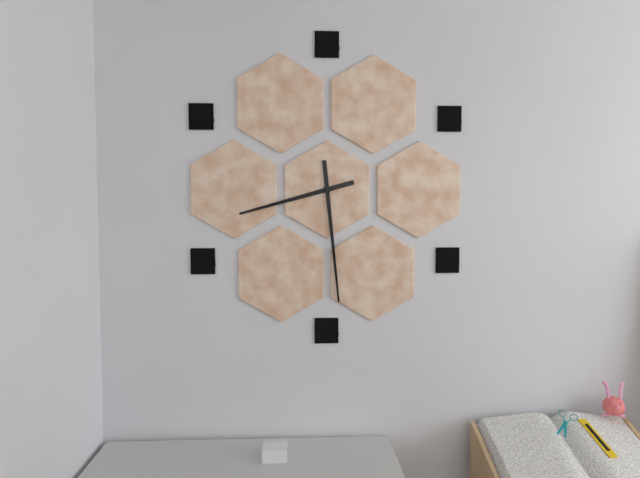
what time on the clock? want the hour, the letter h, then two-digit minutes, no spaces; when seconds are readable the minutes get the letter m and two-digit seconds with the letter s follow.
8h29
